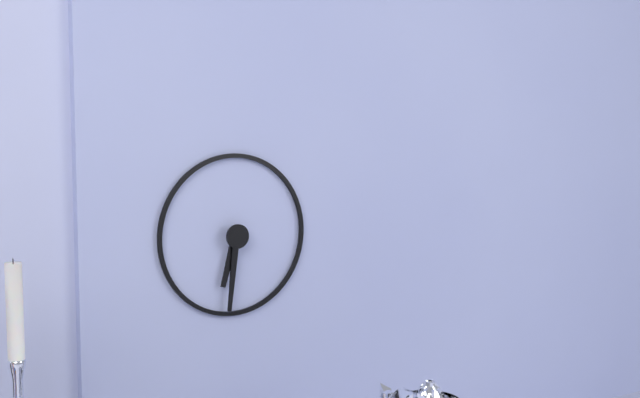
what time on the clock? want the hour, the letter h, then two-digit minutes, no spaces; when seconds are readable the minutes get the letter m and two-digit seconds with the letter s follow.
6h31
